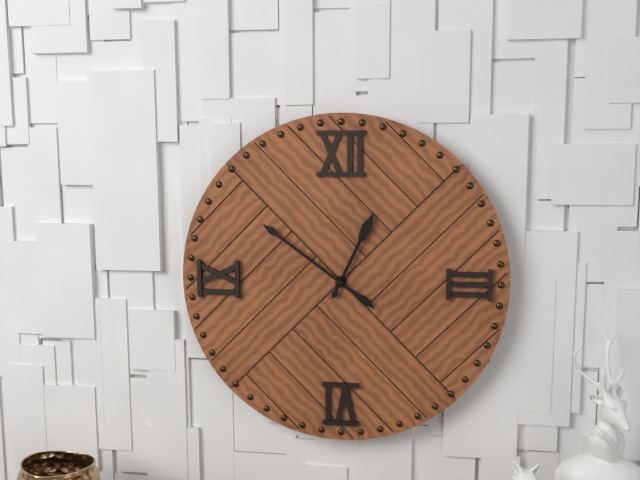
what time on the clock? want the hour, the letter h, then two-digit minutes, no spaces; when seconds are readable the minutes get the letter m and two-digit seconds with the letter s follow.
12h51
